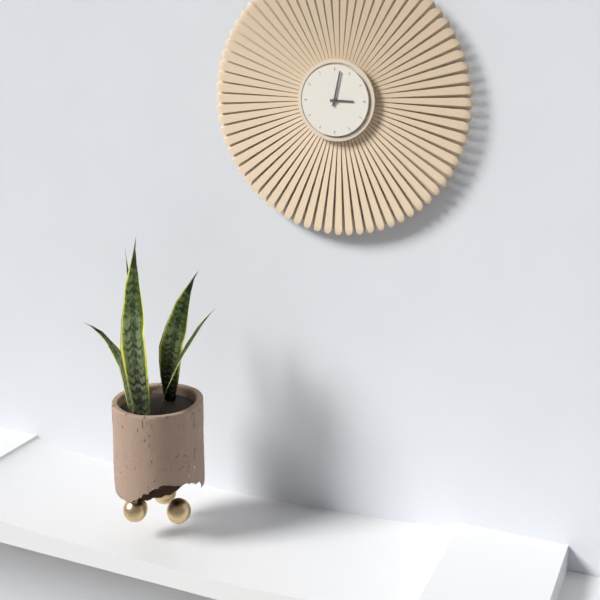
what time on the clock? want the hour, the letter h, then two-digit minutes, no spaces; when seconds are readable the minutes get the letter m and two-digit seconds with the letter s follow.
3h02
